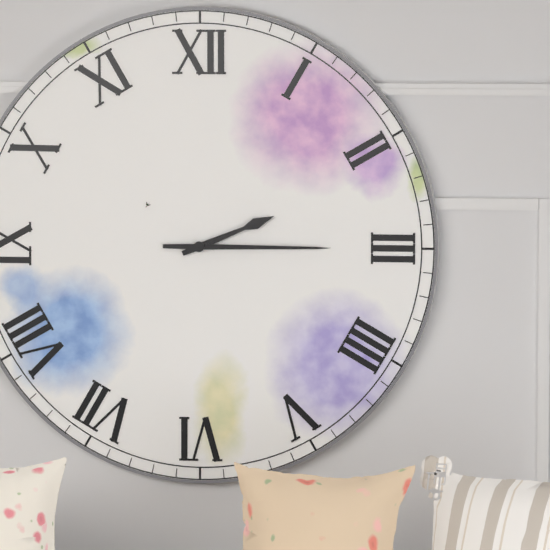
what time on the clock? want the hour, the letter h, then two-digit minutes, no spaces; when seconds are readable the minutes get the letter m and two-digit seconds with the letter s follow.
2h15
